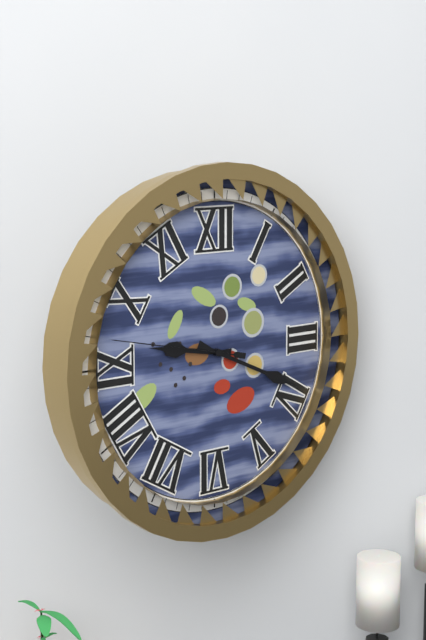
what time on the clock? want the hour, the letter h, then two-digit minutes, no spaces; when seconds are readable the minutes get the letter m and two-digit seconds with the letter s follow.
9h19m47s
